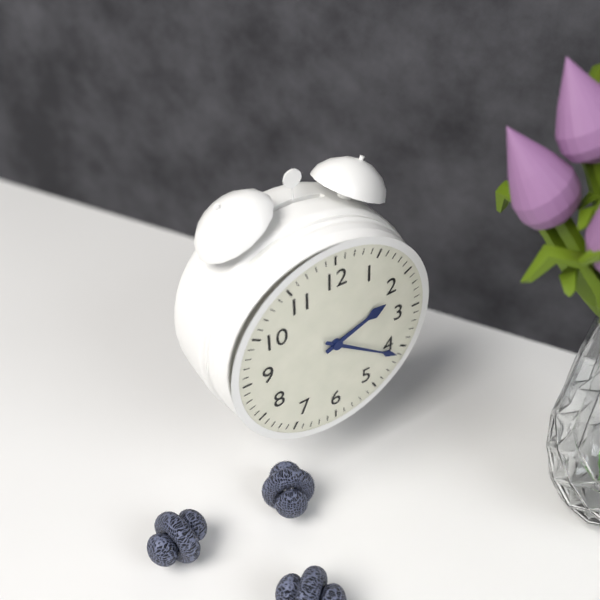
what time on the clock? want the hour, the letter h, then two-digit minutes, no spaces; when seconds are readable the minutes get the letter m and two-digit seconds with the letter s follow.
2h21
